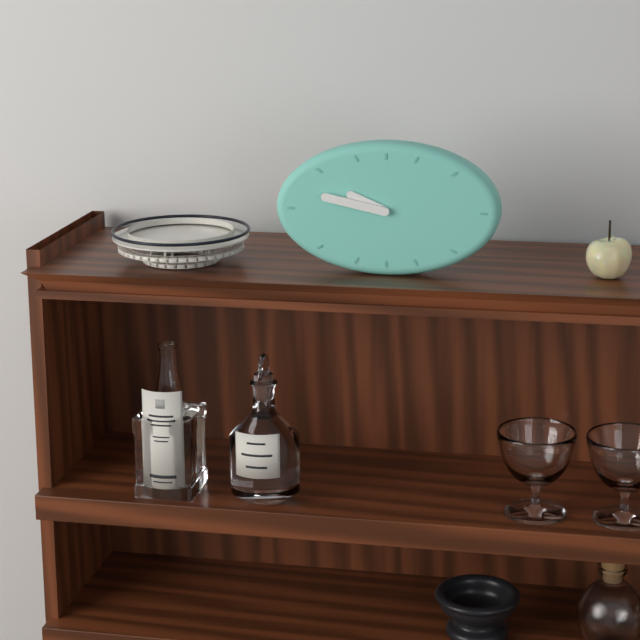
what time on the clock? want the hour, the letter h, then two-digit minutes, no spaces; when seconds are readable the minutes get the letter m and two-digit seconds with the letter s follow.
9h47
